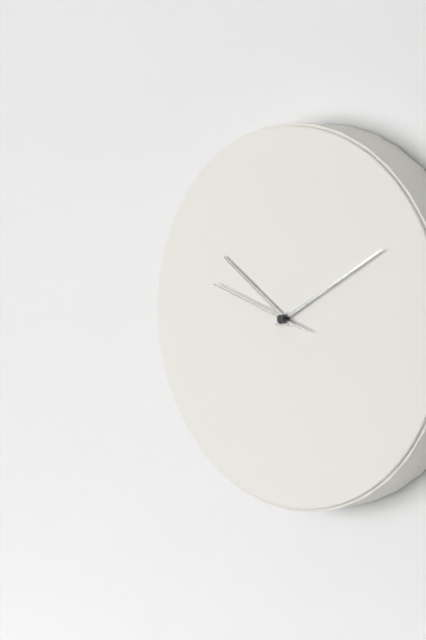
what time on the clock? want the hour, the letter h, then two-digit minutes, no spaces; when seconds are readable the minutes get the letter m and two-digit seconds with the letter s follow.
10h10m48s
